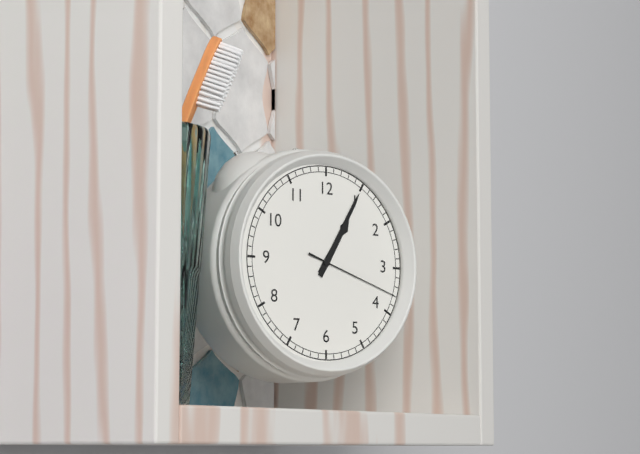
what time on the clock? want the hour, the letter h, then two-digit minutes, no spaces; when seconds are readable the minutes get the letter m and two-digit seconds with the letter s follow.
1h05m18s
